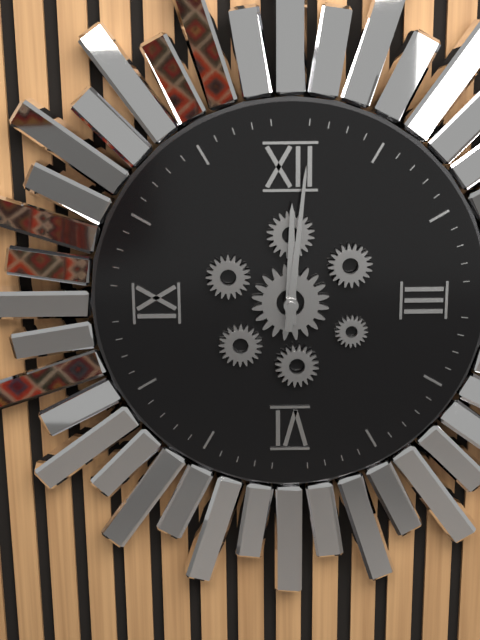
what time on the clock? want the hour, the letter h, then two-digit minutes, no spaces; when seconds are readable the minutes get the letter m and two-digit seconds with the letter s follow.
12h01
